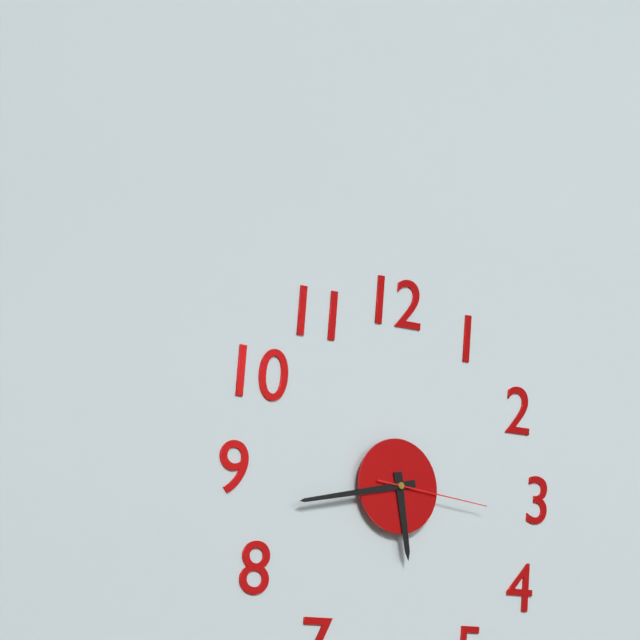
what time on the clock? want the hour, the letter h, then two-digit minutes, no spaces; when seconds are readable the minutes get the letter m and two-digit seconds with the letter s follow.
5h43m16s
